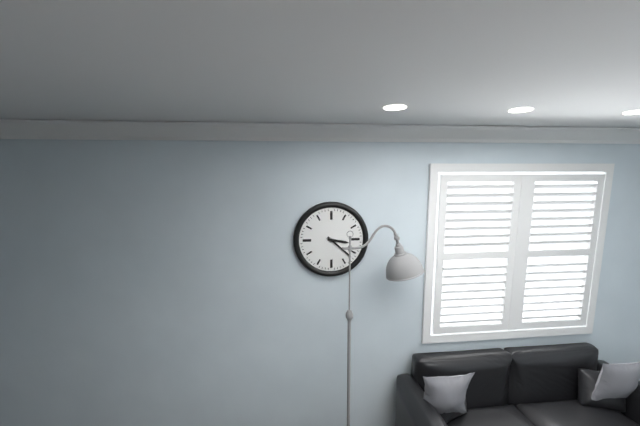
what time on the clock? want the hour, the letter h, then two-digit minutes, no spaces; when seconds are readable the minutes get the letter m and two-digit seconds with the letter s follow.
3h22
